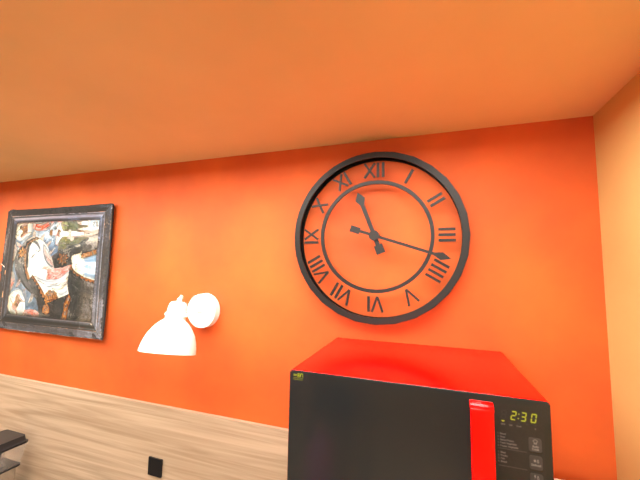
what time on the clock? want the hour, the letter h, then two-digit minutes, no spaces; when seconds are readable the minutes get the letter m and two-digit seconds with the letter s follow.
11h18
